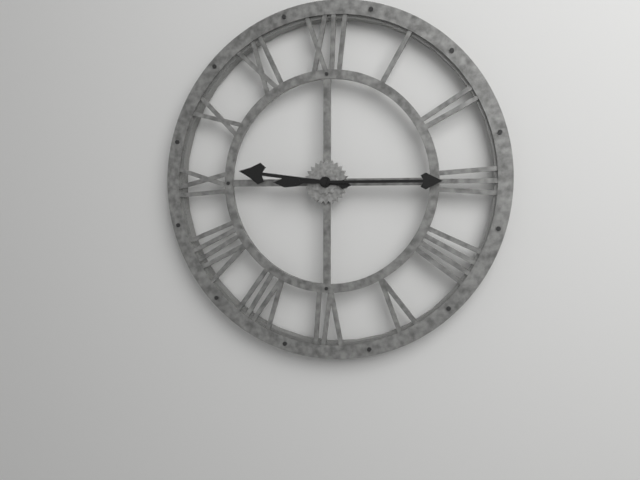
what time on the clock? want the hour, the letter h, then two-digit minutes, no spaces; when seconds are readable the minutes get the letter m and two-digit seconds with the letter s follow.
9h15
